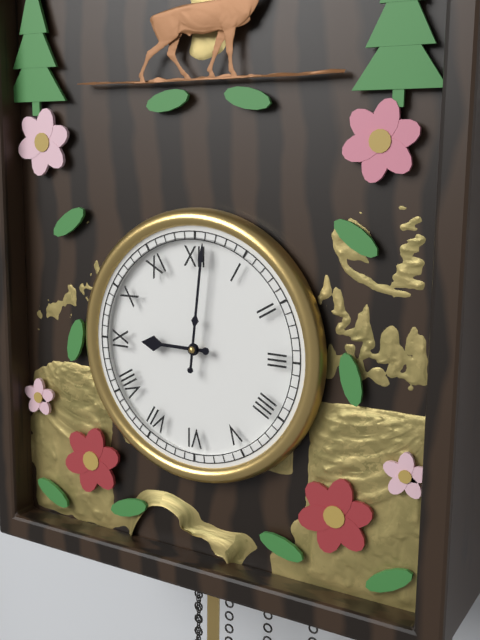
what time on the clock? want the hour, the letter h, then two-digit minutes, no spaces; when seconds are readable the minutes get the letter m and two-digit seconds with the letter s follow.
9h01
